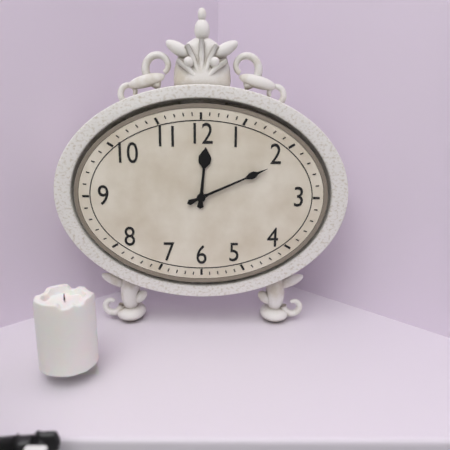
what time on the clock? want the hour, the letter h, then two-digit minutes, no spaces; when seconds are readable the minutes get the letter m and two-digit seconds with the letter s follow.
12h11
